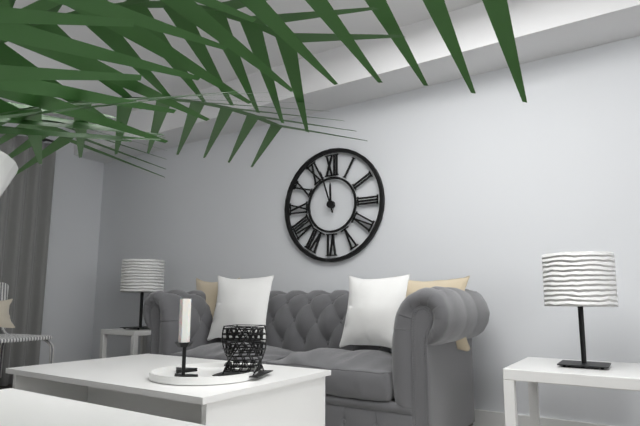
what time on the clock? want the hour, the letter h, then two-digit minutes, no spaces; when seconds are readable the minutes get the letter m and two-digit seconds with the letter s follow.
11h57
